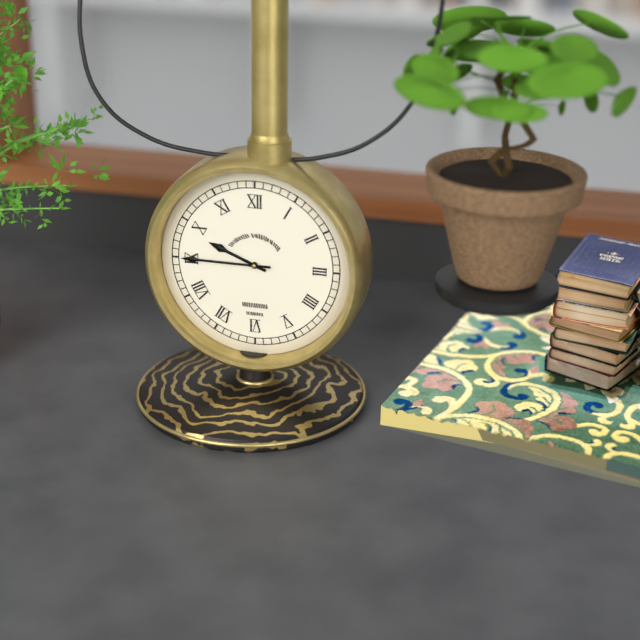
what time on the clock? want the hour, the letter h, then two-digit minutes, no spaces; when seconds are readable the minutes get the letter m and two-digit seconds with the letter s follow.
9h45
